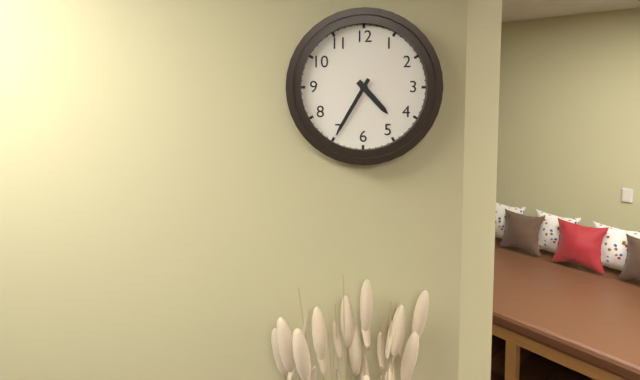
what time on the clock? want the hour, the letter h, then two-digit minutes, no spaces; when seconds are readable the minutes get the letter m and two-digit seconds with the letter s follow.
4h35
